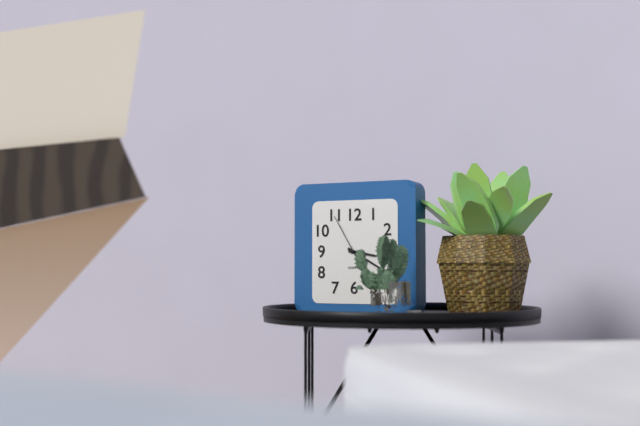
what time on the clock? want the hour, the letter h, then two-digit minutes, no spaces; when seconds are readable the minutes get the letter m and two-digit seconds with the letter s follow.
3h20m55s
